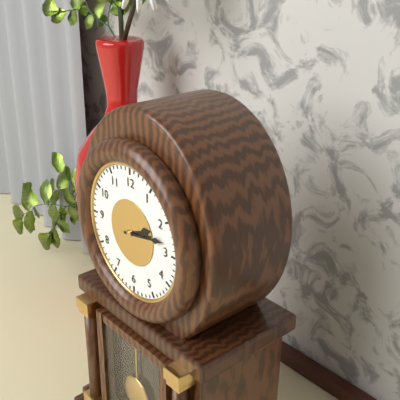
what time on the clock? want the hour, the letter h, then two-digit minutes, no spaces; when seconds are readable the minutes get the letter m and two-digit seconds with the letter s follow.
2h13
